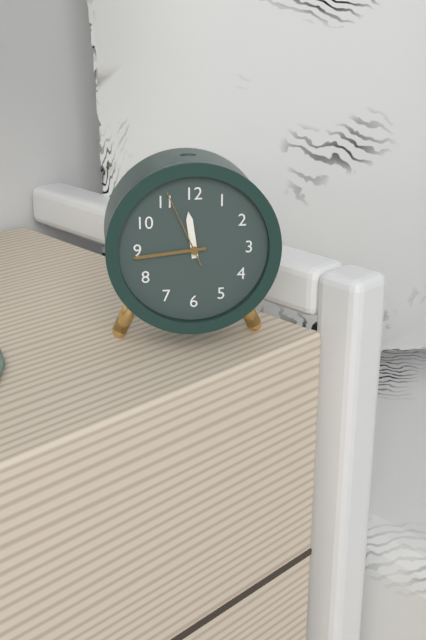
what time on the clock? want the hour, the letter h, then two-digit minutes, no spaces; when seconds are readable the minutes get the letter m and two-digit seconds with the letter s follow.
11h44m56s
